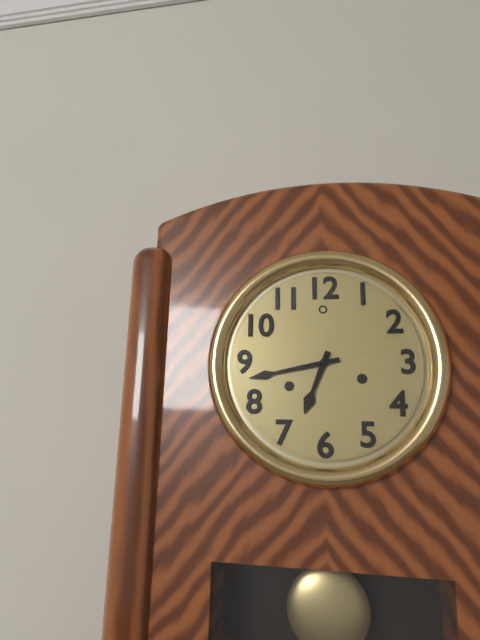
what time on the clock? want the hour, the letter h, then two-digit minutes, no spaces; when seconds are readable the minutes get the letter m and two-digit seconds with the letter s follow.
6h43
